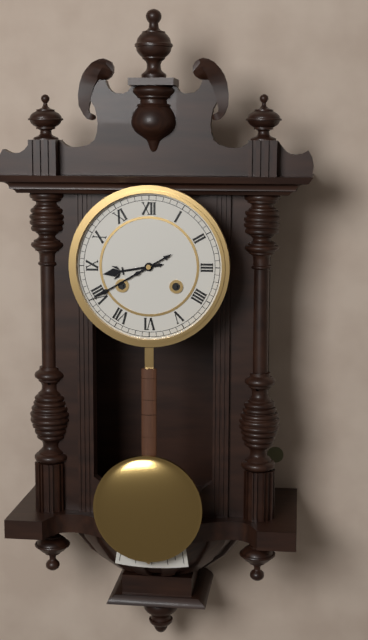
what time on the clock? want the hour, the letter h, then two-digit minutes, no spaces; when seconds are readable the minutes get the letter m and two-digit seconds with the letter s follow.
8h40
